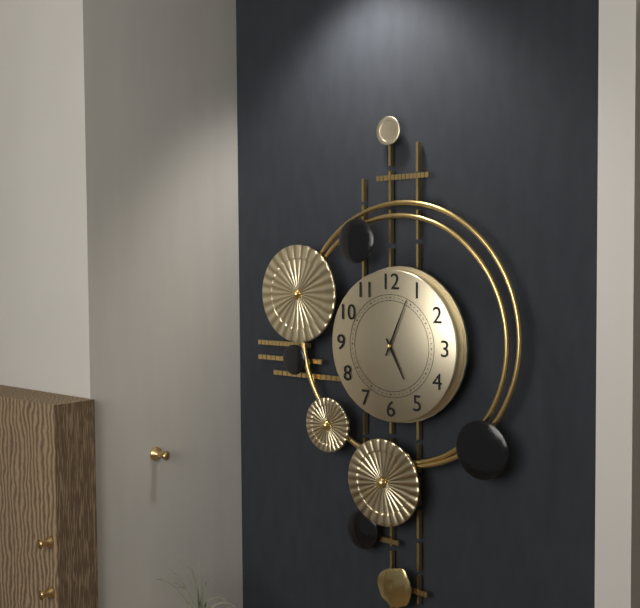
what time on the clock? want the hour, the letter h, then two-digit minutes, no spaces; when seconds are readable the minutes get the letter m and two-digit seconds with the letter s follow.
5h04
